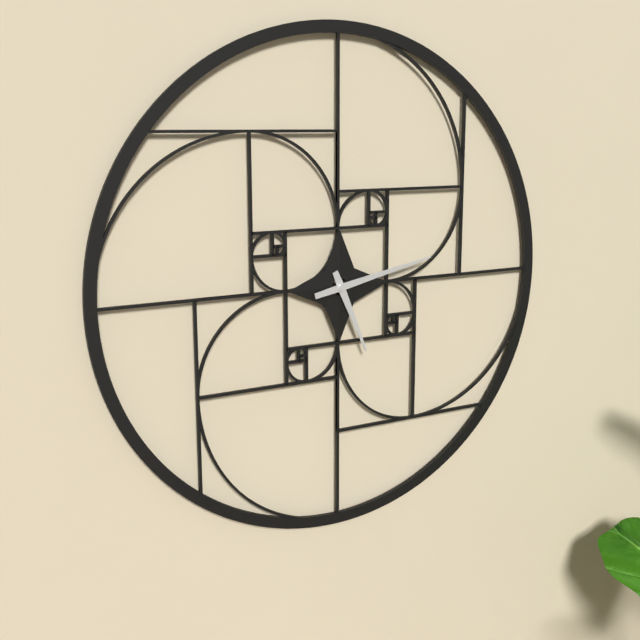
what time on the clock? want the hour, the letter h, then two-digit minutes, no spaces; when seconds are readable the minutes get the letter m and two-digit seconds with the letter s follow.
5h13
